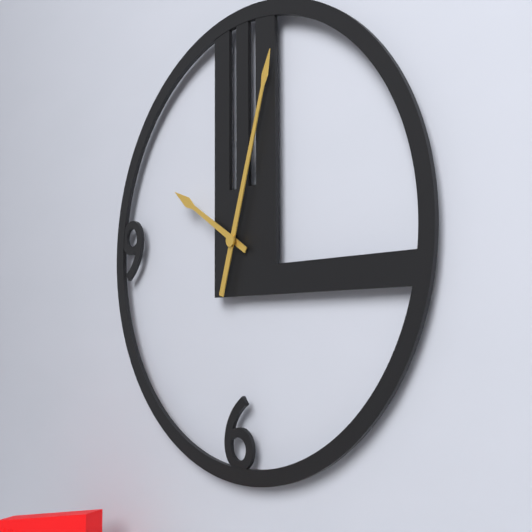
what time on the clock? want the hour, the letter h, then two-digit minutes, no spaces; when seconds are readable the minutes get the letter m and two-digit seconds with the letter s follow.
10h03
